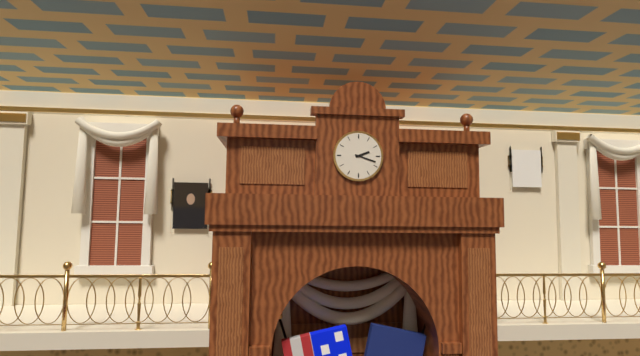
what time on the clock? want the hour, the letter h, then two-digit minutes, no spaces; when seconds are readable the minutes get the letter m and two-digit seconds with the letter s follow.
2h18
